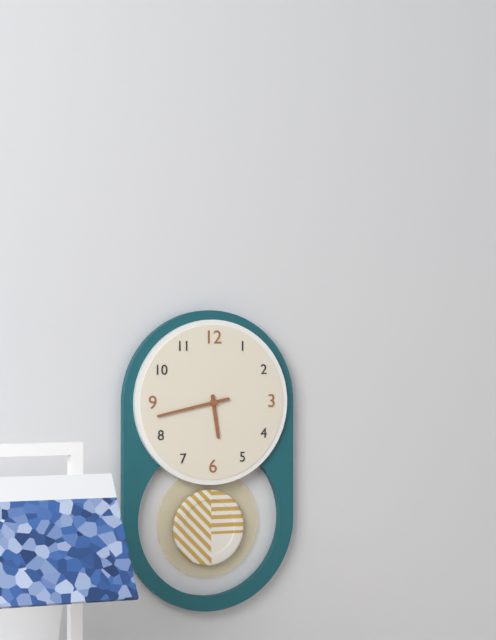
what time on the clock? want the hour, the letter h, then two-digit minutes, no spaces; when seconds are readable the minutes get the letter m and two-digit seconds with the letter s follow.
5h43
